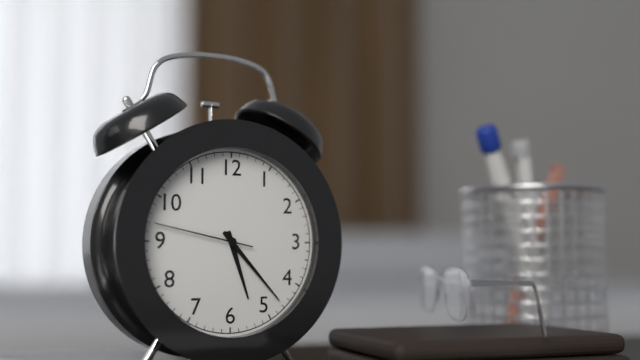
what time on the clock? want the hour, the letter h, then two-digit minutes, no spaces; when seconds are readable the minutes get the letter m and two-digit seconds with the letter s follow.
5h23m47s
